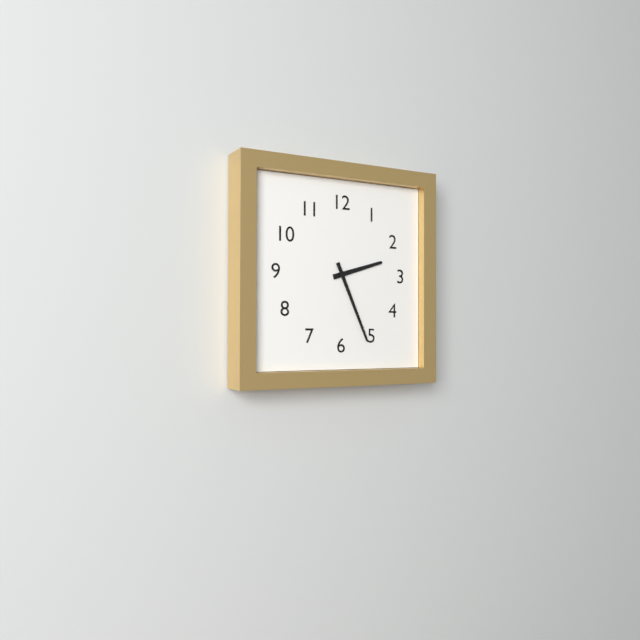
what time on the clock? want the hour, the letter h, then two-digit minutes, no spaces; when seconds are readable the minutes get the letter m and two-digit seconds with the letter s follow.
2h26
